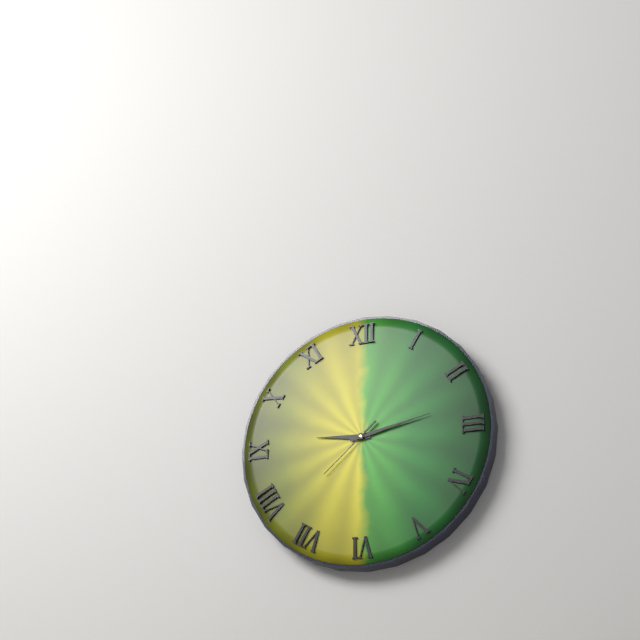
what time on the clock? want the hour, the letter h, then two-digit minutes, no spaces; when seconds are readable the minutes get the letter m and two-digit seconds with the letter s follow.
9h13m38s
